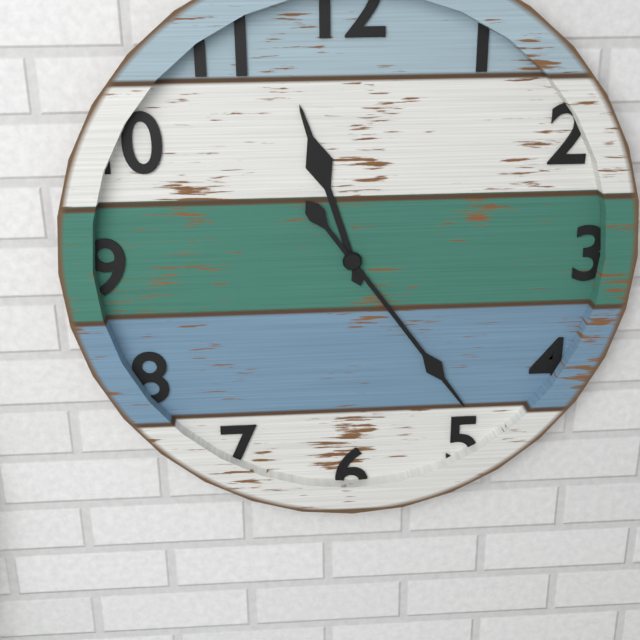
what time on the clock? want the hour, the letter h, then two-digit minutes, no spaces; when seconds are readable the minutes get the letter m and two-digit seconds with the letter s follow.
11h24
